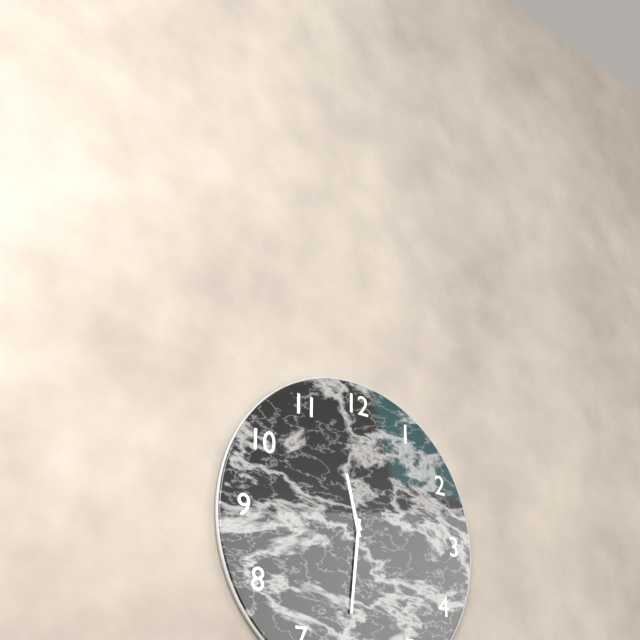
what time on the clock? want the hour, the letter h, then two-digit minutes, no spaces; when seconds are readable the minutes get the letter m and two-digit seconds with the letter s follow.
11h31
